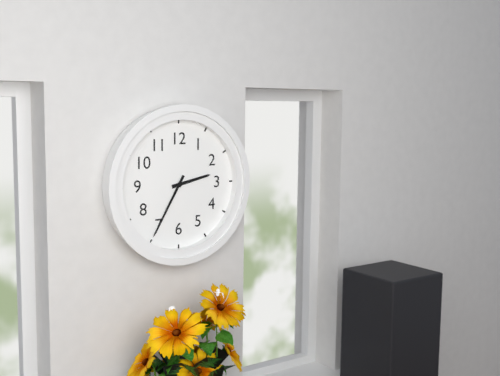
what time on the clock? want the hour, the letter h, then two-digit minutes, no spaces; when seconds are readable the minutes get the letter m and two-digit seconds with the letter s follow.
2h35
